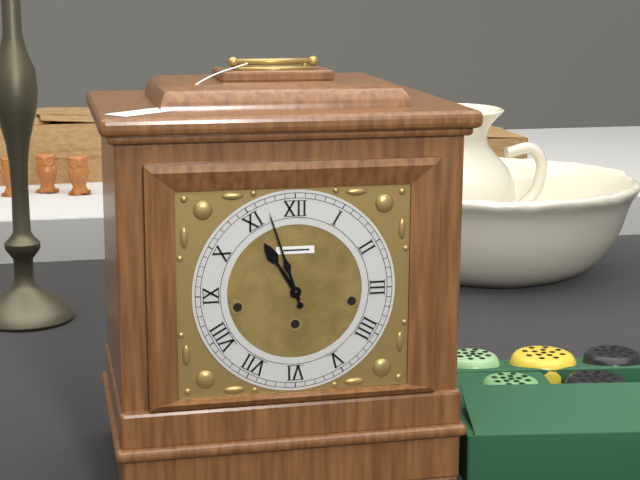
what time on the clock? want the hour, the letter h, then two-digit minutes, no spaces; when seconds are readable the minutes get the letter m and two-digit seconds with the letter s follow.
10h57
